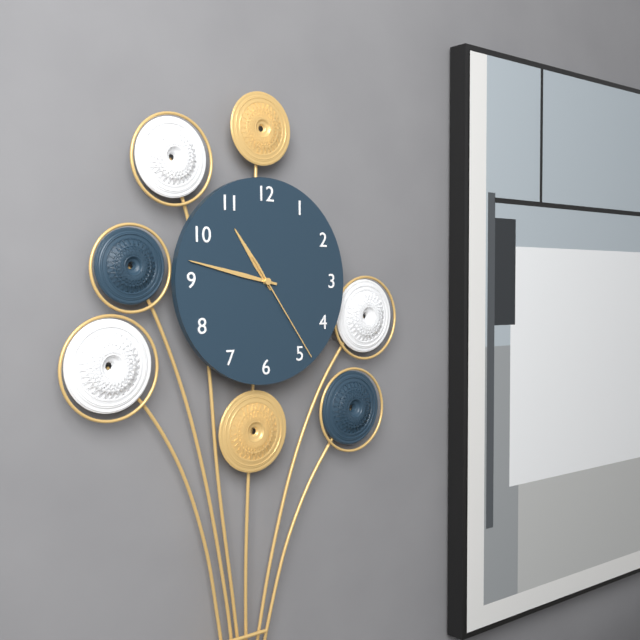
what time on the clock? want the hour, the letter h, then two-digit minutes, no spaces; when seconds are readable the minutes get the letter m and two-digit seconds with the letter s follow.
10h47m24s
